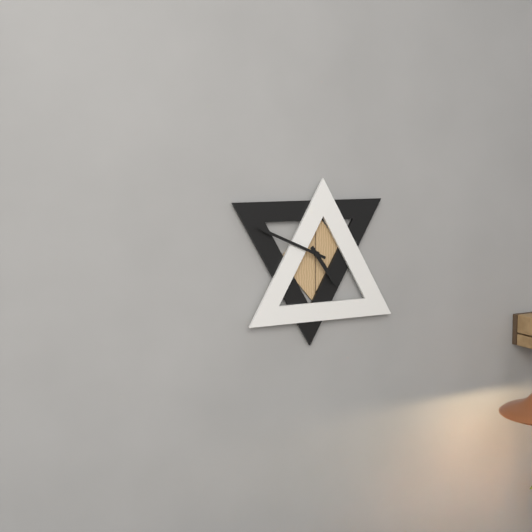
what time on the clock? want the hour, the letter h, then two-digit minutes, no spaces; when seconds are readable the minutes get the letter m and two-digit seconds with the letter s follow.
4h49
